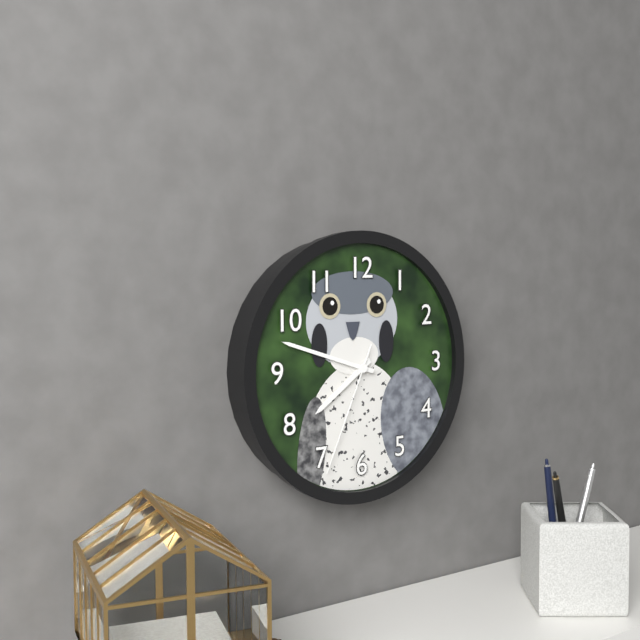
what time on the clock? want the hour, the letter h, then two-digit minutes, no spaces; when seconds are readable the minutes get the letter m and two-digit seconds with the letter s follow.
7h48m34s
